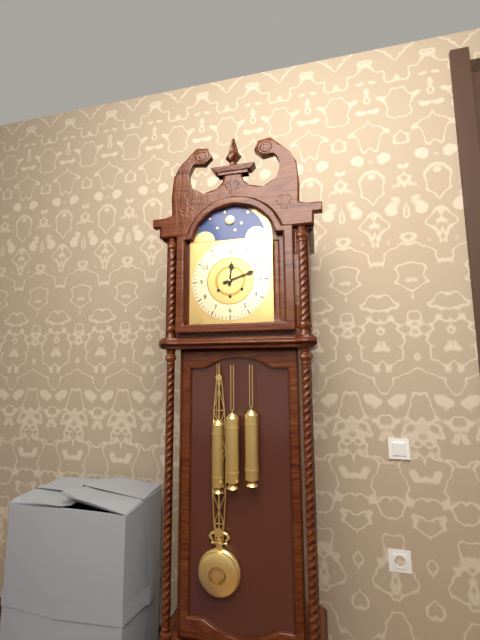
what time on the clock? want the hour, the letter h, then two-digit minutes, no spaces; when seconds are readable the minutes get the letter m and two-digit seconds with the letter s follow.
12h12
